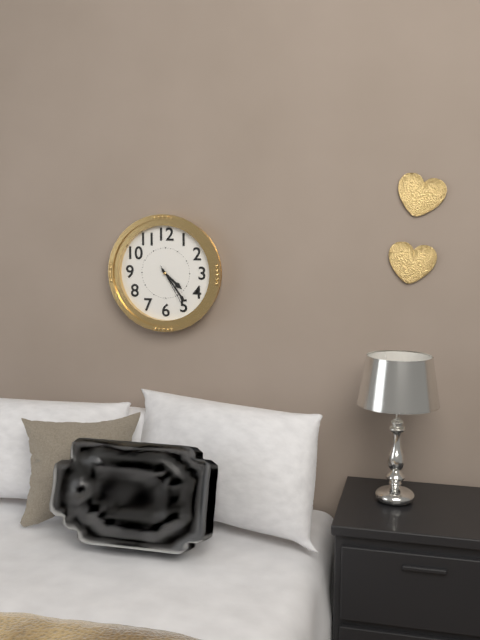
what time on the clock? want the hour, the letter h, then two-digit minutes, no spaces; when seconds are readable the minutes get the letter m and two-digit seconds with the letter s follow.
4h24
